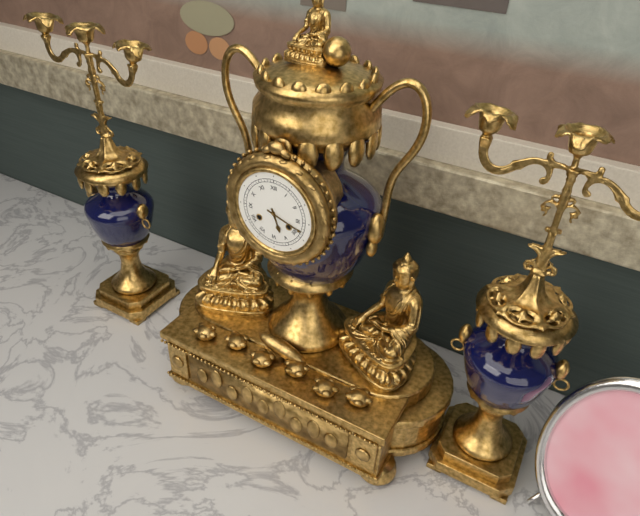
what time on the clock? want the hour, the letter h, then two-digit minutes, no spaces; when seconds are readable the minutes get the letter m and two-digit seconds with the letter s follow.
5h18
